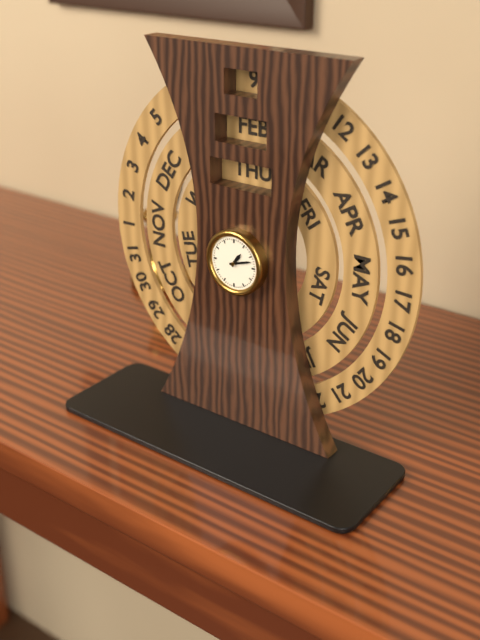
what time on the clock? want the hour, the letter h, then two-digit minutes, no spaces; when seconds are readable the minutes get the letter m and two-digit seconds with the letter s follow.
1h12
